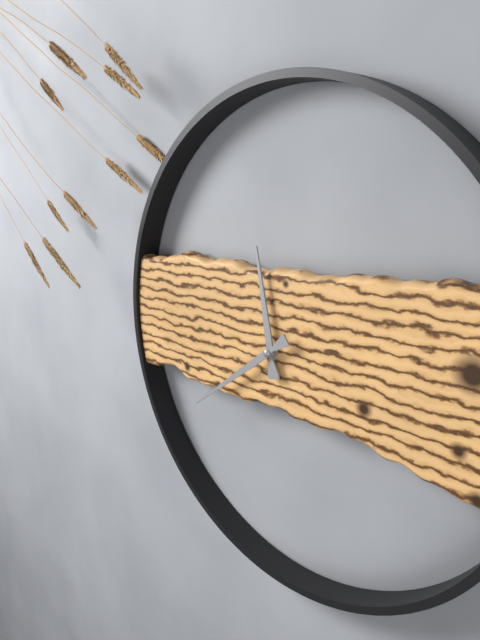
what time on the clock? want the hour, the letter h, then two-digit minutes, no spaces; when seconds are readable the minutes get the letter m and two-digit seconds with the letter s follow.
11h39
